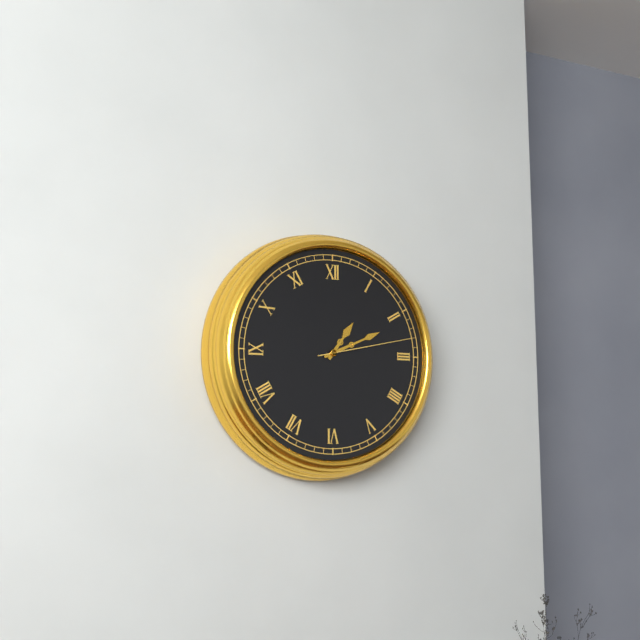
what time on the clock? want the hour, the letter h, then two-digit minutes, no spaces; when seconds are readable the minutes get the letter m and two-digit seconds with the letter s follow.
1h11m13s
